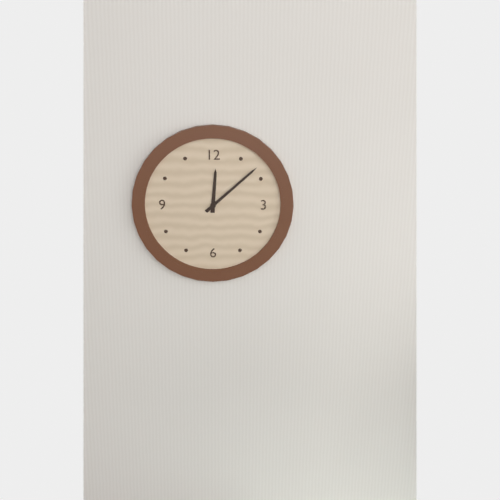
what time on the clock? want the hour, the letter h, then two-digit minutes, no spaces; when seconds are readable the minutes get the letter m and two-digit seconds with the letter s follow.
12h08
